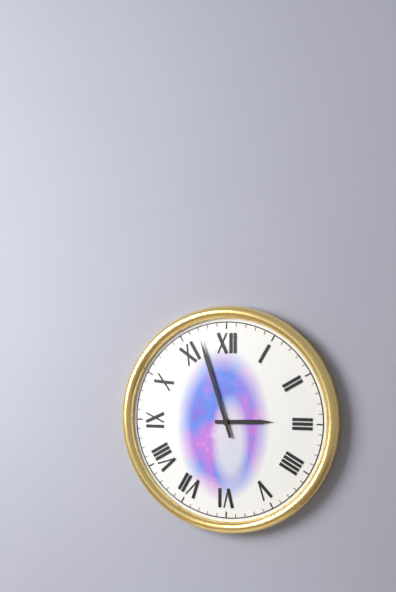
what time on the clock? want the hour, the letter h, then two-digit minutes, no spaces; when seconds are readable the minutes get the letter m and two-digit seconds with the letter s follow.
2h57
